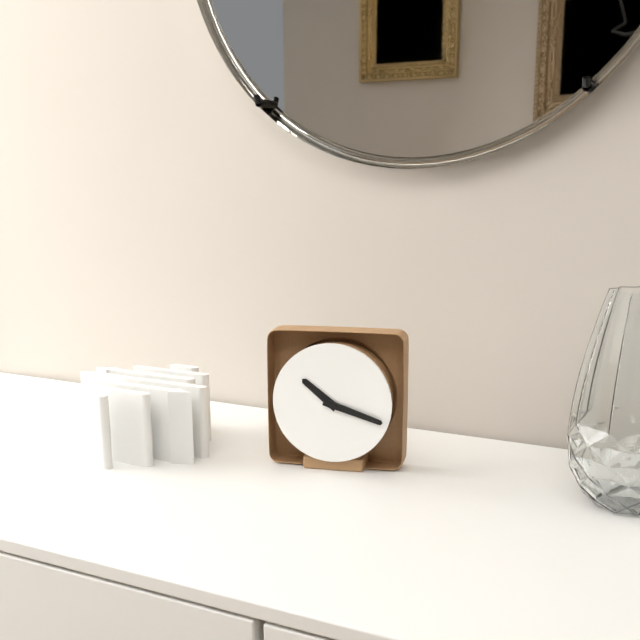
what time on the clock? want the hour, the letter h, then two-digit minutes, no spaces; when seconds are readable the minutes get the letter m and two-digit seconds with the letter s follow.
10h18
